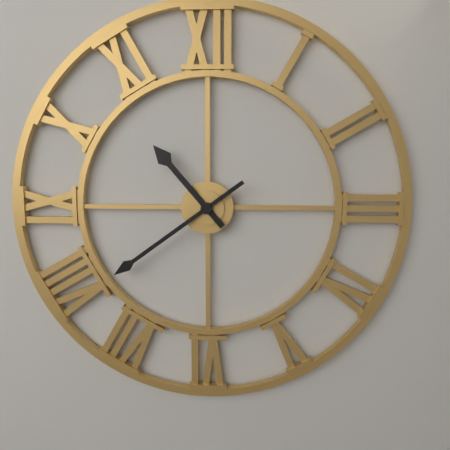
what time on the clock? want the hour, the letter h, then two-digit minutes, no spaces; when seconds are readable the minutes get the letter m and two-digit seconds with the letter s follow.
10h39
